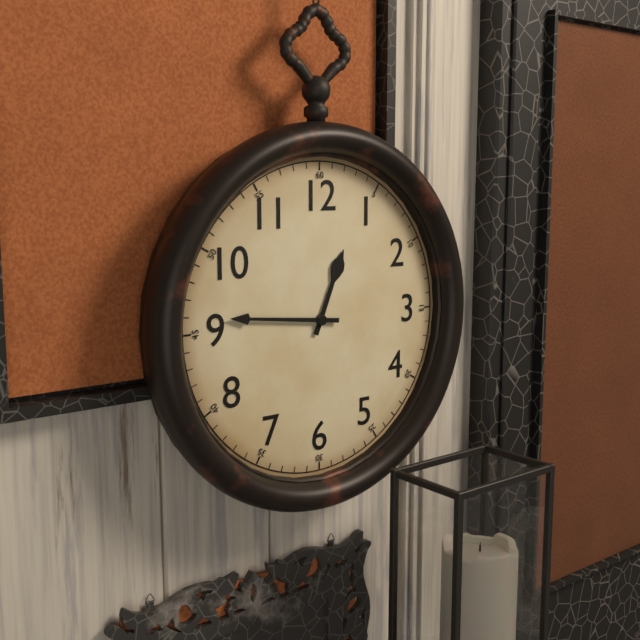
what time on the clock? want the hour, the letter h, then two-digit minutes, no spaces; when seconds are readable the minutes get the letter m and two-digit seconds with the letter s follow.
12h46
